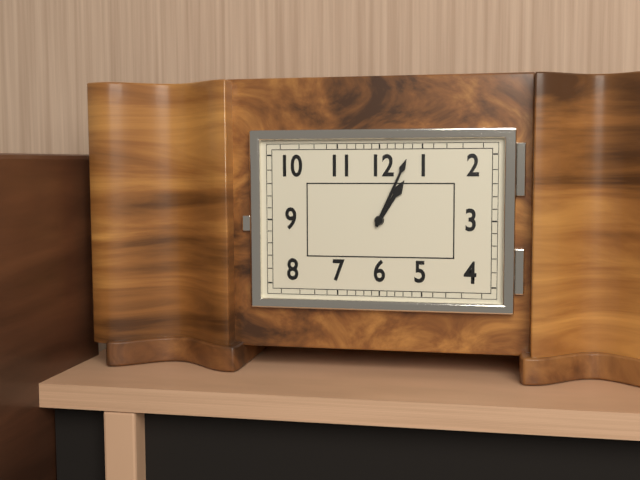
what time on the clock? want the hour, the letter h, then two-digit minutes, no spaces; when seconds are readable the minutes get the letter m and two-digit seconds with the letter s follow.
1h04
